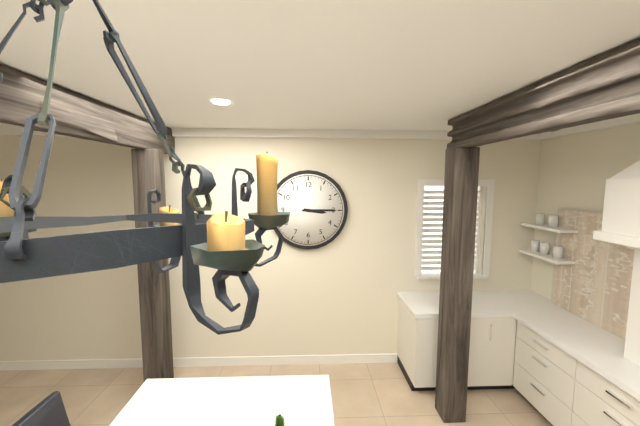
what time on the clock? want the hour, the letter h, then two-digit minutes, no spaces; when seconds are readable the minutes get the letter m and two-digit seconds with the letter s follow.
3h15
